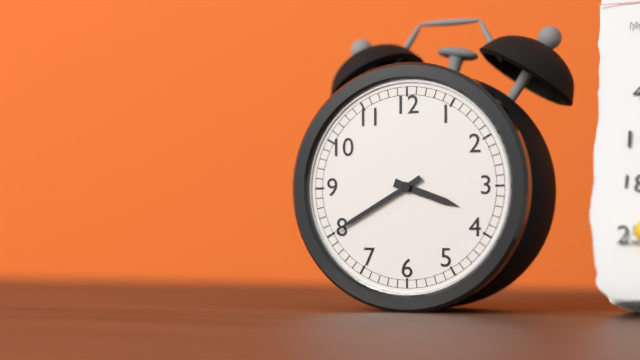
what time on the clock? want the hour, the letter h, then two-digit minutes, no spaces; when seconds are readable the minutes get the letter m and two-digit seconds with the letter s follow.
3h40
